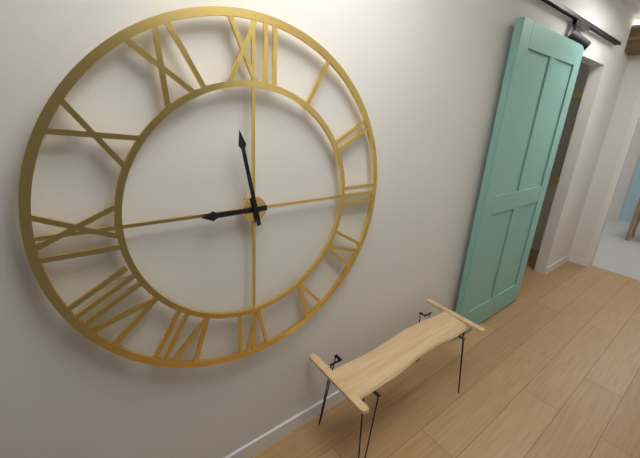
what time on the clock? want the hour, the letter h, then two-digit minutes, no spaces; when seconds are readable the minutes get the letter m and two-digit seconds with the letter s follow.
8h58
